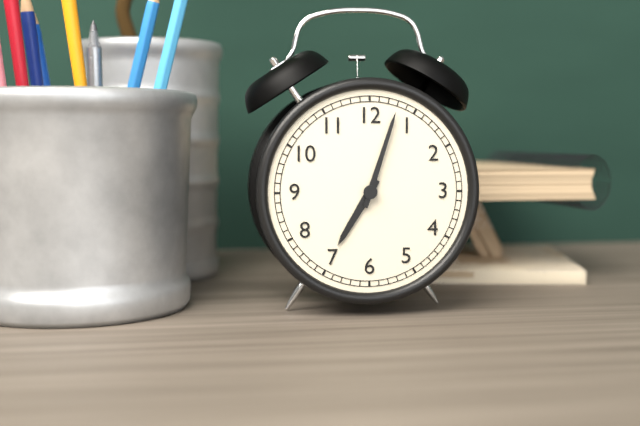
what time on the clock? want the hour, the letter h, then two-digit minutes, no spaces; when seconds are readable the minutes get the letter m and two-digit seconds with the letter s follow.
7h03
